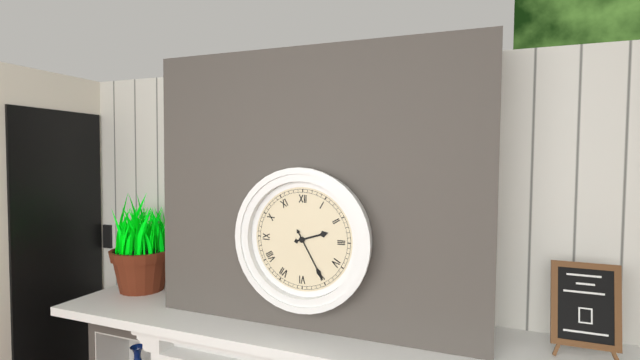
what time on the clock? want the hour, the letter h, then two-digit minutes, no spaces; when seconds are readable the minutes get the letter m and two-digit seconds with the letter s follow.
2h25
